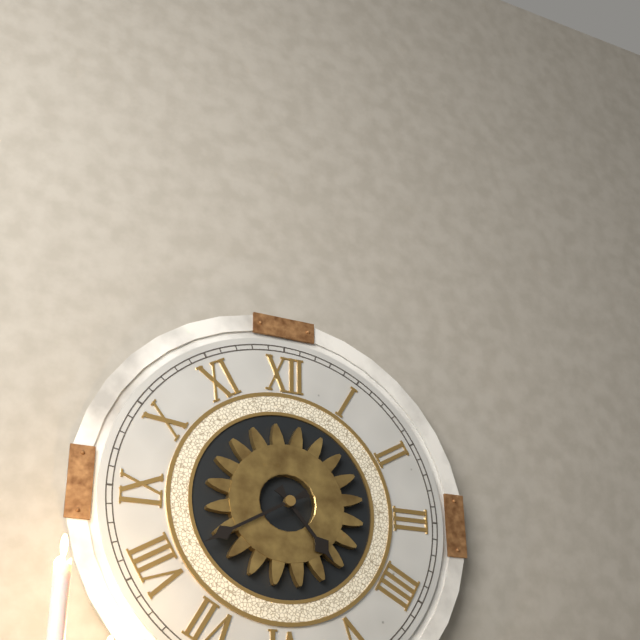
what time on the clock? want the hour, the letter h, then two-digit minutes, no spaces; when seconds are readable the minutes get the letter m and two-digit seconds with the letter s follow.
4h40
